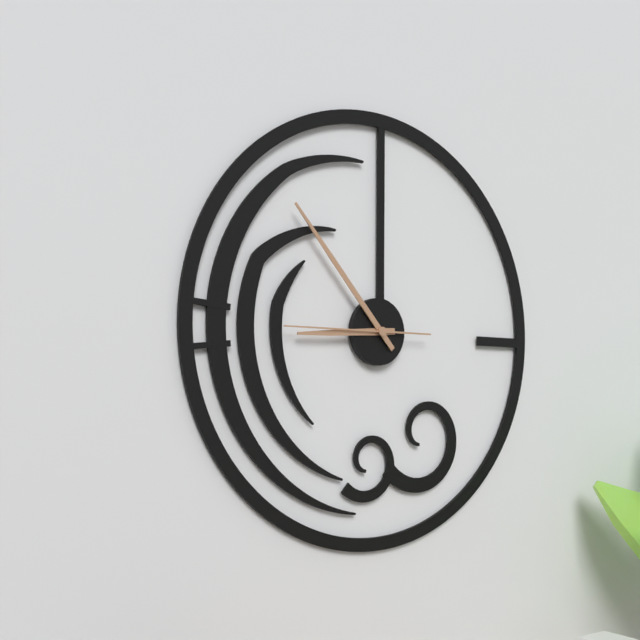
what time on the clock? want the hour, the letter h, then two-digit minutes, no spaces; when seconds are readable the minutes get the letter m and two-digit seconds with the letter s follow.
8h53m45s
